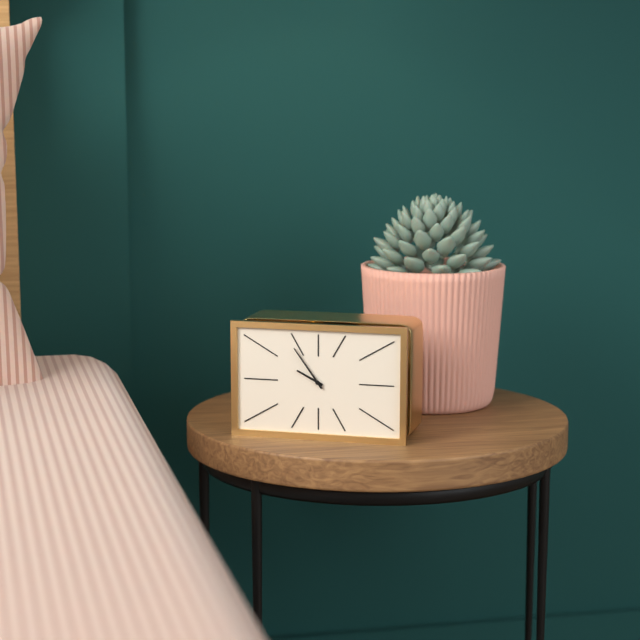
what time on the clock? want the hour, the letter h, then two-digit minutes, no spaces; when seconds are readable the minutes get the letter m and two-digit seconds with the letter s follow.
9h54
